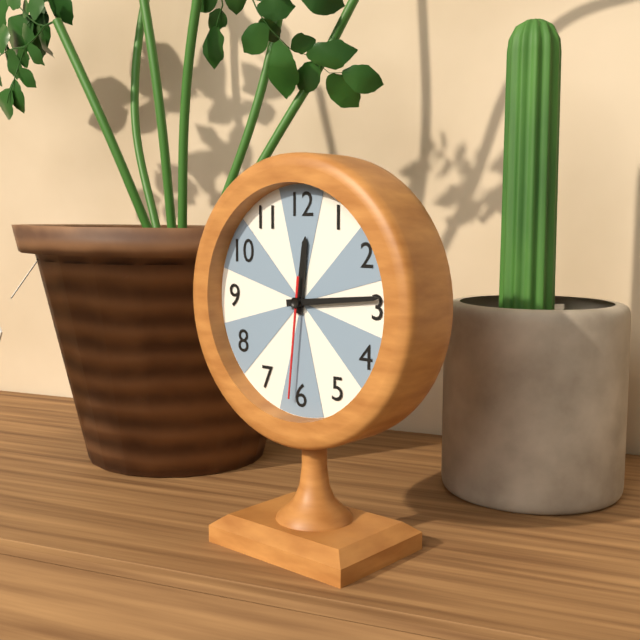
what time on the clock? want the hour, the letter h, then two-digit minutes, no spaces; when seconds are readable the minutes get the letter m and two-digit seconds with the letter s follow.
12h14m31s
